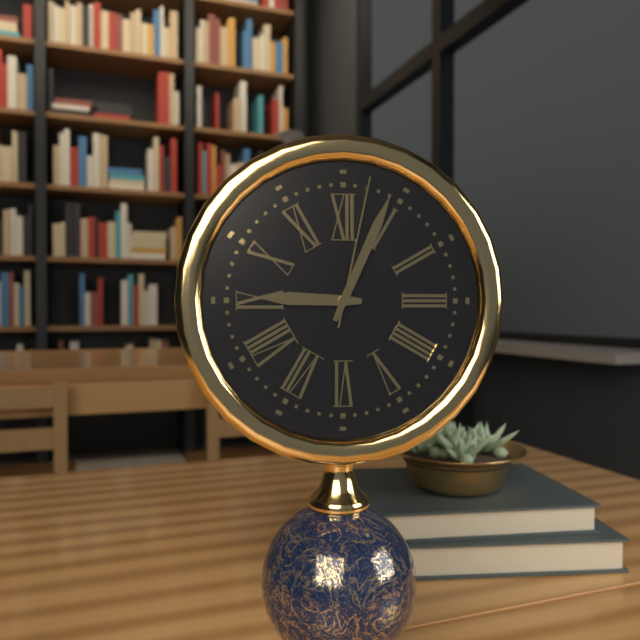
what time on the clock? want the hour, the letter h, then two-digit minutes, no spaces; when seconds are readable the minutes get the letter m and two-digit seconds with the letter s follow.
9h04m02s
